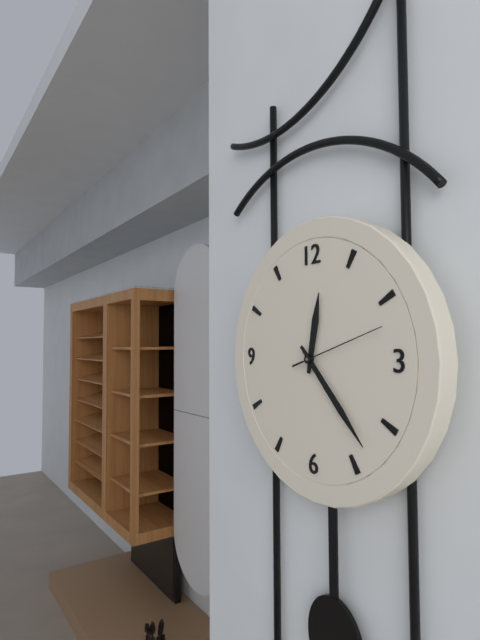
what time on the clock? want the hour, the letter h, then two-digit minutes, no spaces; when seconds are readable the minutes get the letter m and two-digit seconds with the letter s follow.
12h23m12s
